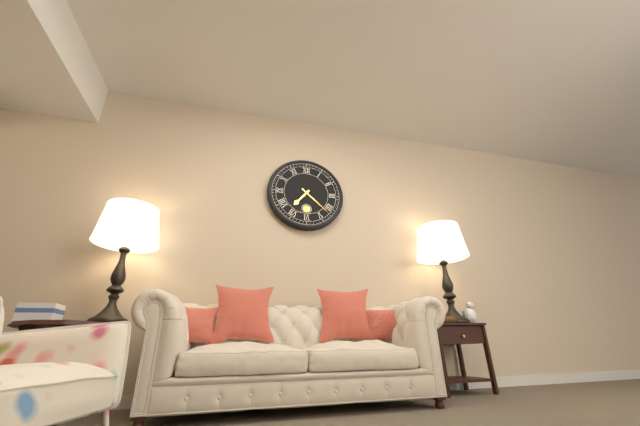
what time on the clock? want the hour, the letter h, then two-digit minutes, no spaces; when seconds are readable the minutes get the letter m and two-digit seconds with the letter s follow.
7h22
